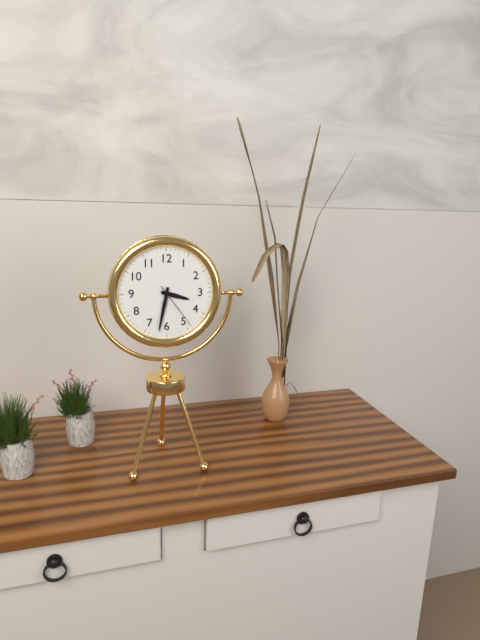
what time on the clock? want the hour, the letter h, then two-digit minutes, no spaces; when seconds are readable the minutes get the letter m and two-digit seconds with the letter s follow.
3h32
